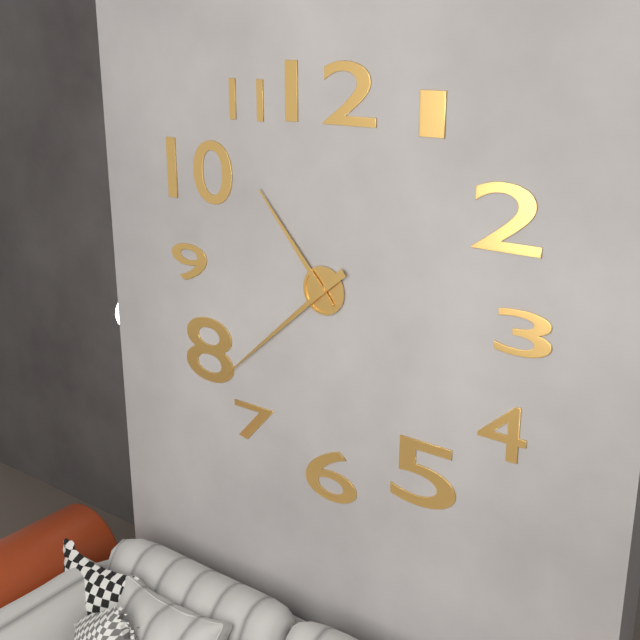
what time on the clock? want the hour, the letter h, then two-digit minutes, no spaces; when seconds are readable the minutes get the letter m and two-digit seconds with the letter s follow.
10h38
